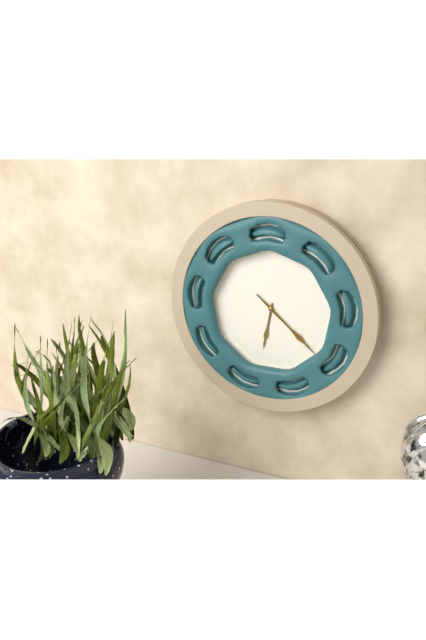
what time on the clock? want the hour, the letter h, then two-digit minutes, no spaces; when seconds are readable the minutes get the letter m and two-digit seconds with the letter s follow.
6h22
